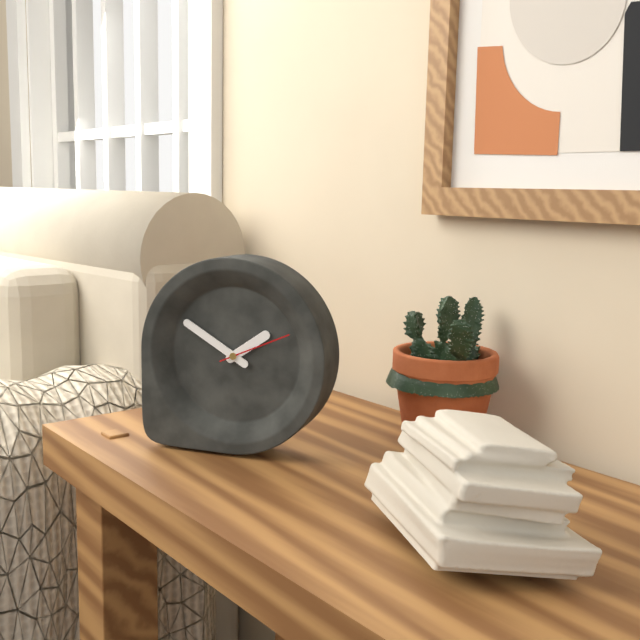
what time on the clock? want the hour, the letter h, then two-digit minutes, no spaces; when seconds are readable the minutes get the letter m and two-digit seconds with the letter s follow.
1h50m11s
